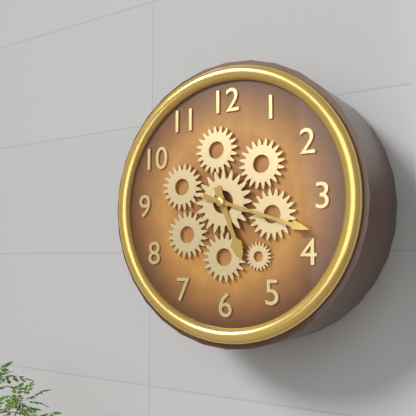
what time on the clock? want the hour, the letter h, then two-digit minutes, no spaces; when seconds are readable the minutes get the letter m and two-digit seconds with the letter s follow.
5h18
